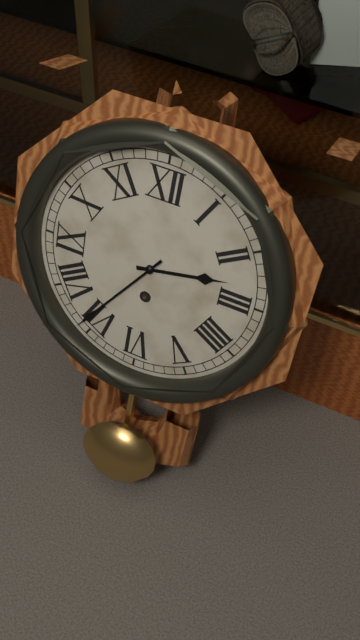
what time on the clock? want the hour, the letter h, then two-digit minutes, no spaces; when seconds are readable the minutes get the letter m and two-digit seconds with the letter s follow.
2h36
